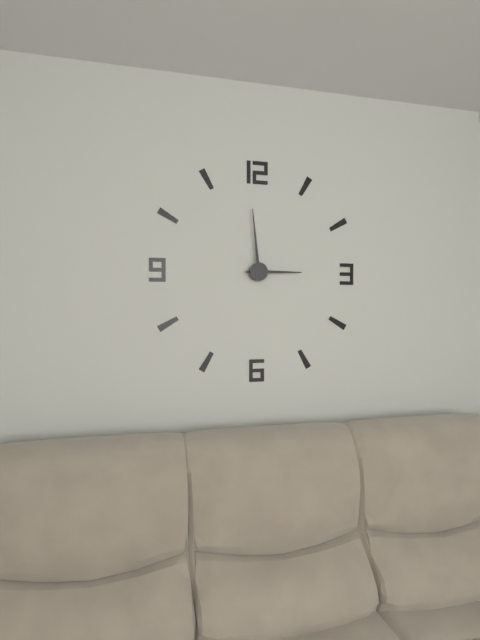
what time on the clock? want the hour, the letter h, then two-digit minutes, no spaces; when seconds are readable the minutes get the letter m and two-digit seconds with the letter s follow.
2h59
